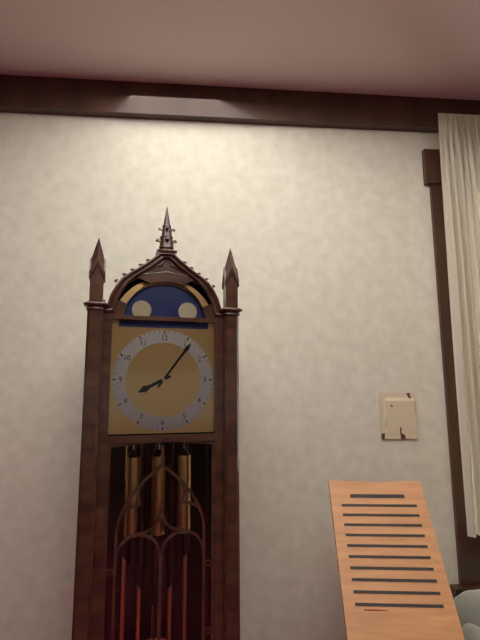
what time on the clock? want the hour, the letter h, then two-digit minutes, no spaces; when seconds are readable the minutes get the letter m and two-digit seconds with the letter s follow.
8h06
